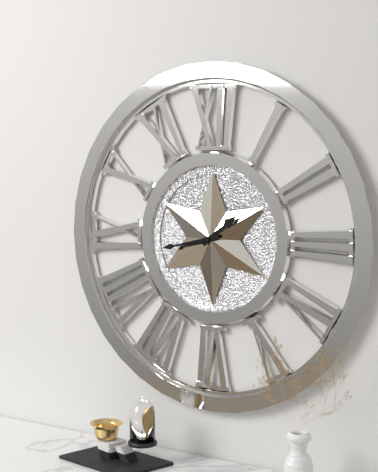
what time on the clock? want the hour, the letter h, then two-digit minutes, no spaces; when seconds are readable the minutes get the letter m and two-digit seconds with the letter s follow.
1h43
